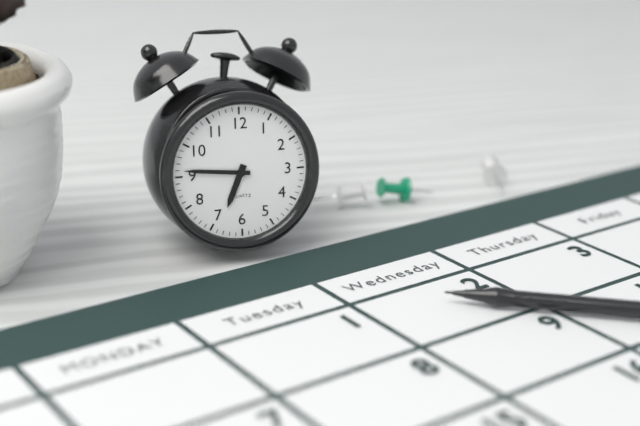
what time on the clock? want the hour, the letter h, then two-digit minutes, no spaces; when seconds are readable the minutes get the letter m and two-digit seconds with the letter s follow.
6h46
